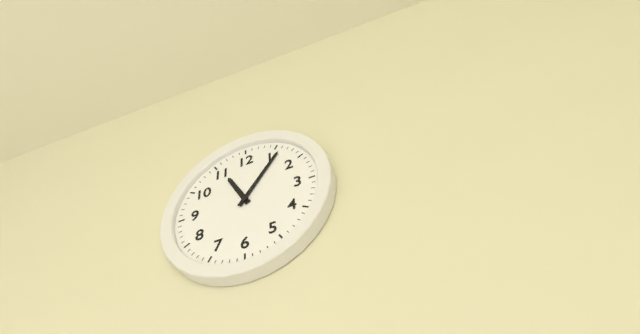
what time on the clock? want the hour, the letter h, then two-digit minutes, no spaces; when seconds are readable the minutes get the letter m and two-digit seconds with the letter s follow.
11h06
